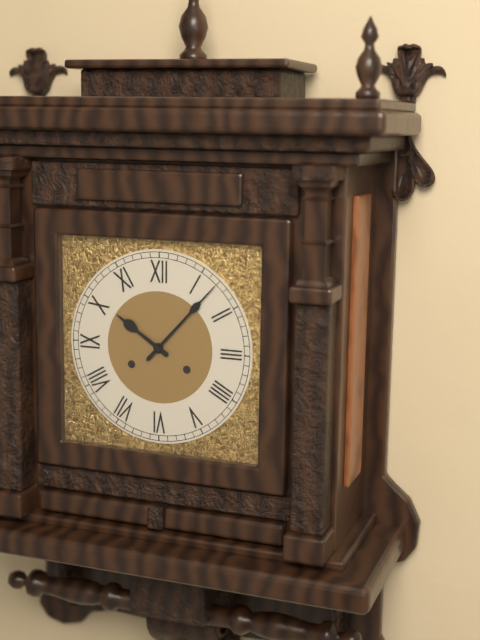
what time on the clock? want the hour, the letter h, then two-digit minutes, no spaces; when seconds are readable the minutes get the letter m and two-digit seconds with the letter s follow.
10h07
